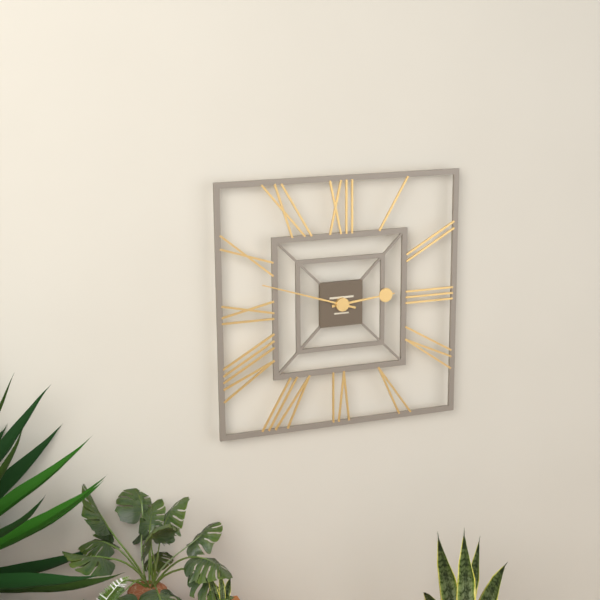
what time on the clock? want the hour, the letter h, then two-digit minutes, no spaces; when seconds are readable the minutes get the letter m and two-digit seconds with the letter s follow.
2h48
